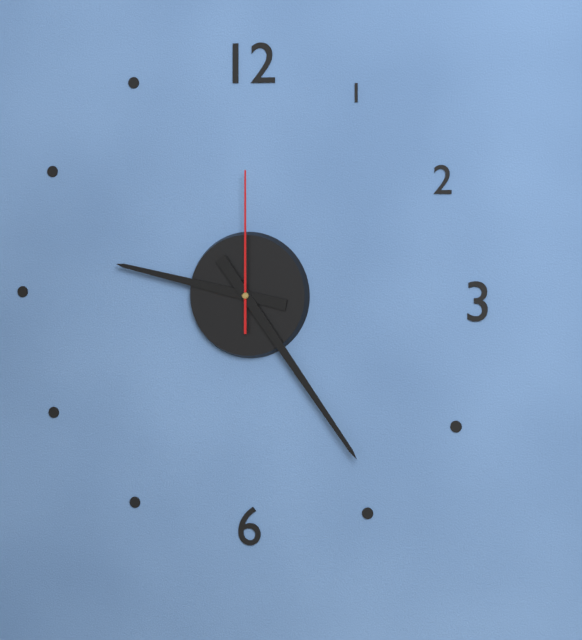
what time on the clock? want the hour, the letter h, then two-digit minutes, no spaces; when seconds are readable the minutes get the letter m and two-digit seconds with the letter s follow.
9h24m00s
